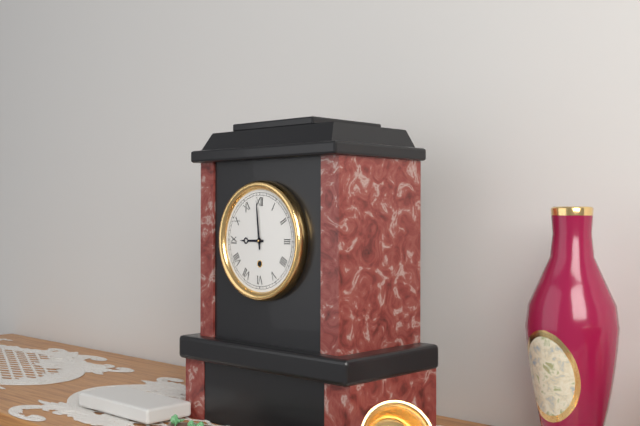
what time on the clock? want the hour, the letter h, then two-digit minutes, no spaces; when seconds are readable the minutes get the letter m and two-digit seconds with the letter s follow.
8h59
